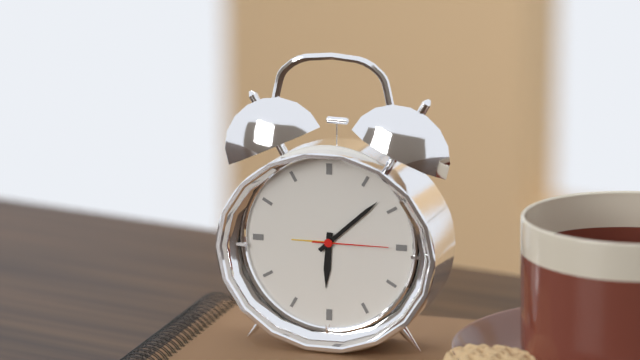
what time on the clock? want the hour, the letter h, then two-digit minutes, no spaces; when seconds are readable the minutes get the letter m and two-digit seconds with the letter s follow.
6h08m15s
